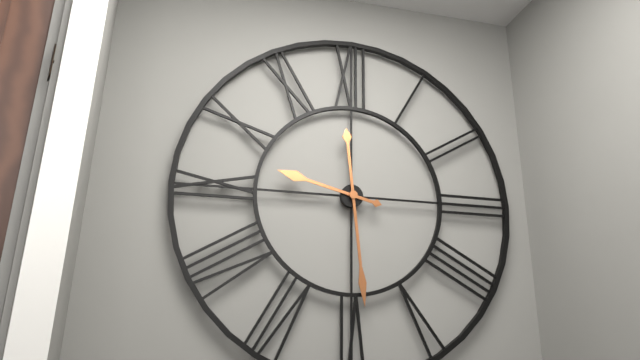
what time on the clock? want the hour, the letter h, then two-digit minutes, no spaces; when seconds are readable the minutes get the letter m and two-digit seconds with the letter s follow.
9h29
